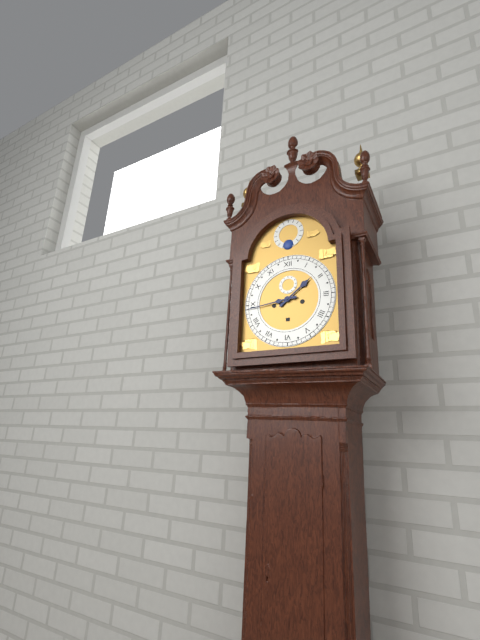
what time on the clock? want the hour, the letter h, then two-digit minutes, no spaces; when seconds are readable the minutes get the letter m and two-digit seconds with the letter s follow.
1h44
